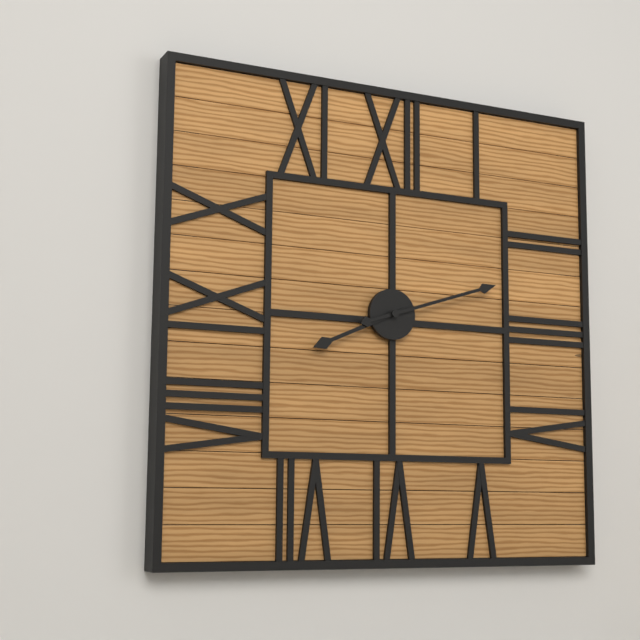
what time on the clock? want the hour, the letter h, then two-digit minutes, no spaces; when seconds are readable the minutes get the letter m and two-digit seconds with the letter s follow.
8h12
